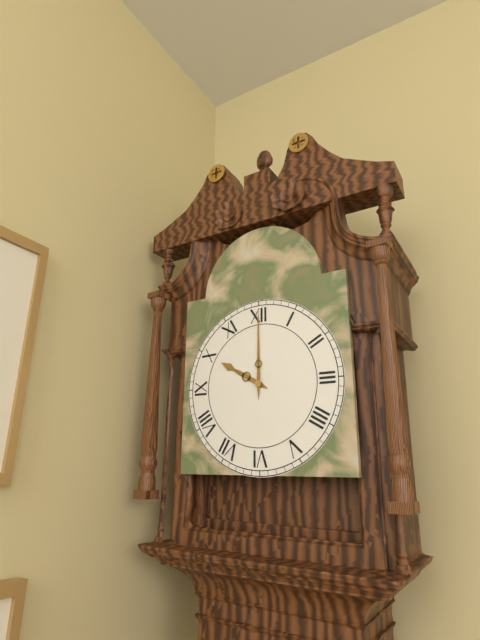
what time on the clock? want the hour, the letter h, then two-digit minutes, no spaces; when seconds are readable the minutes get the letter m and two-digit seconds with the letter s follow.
10h00
